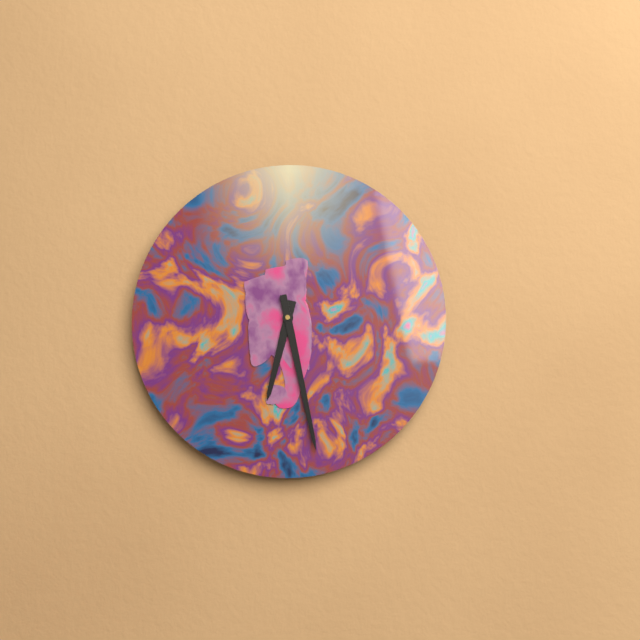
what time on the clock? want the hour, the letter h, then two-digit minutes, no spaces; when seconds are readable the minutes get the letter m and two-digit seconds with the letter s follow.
6h28
